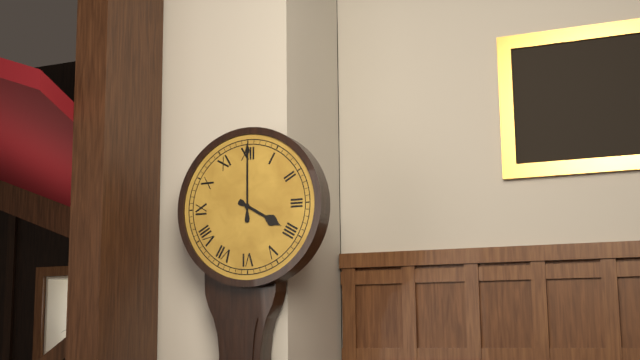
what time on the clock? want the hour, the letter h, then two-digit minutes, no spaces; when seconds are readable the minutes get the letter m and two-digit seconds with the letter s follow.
4h00
